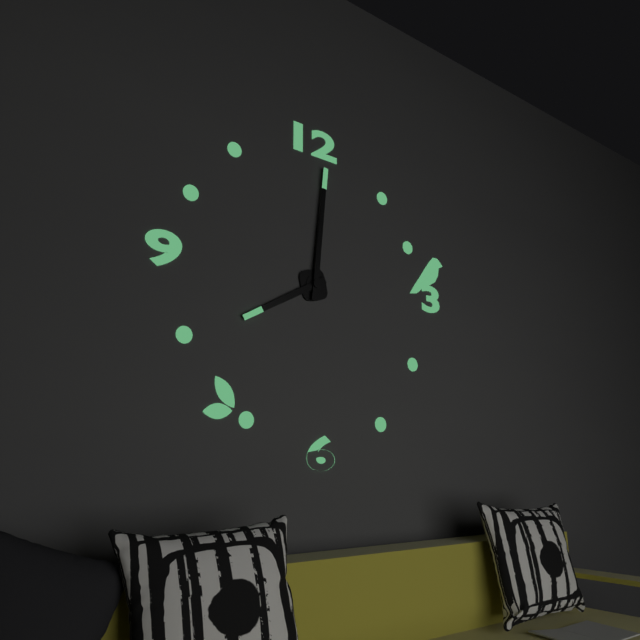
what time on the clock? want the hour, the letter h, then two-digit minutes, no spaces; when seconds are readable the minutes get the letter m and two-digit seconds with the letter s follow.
8h01
